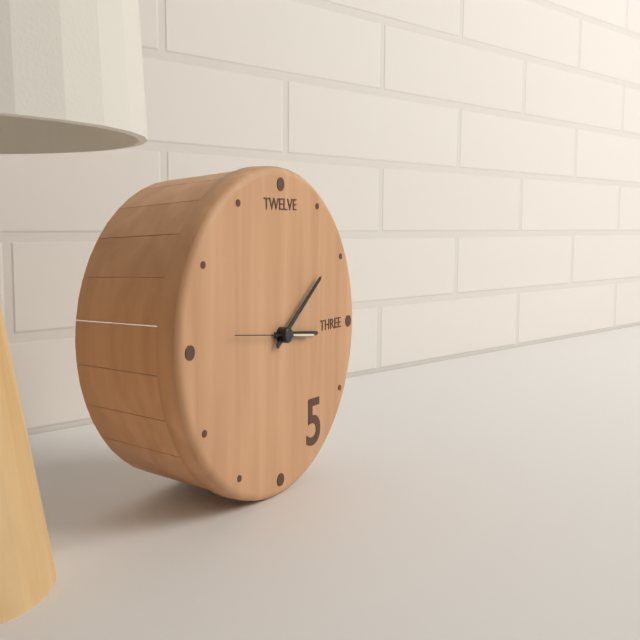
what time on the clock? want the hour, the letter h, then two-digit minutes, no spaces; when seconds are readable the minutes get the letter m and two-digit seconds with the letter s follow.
3h09m46s
